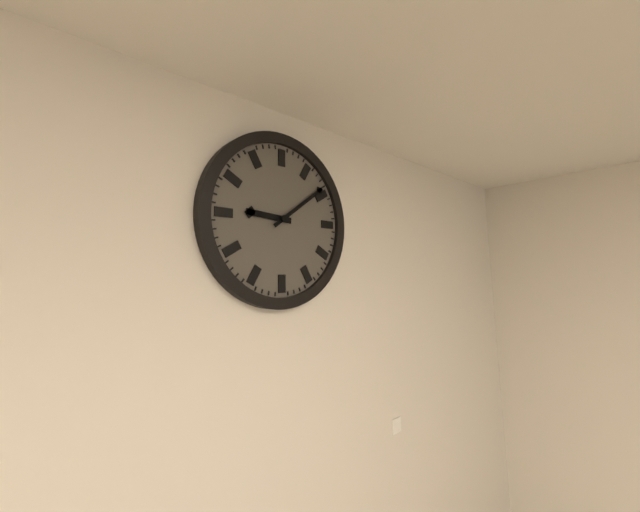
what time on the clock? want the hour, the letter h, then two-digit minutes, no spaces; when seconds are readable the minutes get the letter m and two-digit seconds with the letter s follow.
9h09
